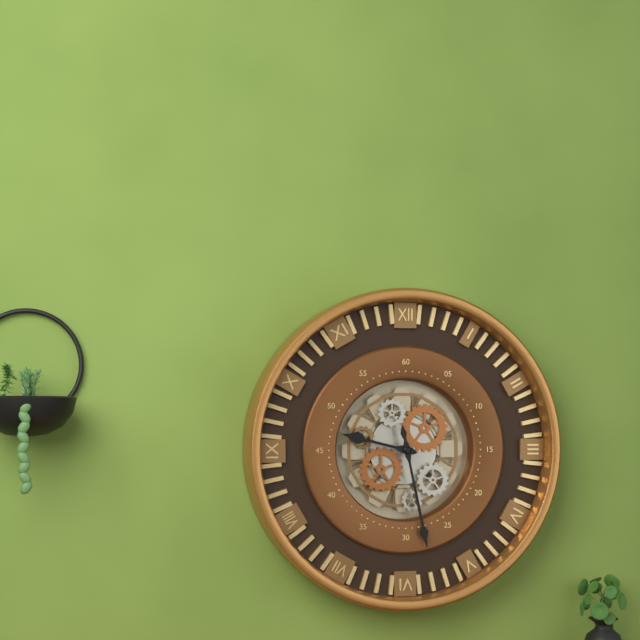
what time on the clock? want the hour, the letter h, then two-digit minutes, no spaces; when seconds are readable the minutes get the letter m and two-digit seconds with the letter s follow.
9h28
